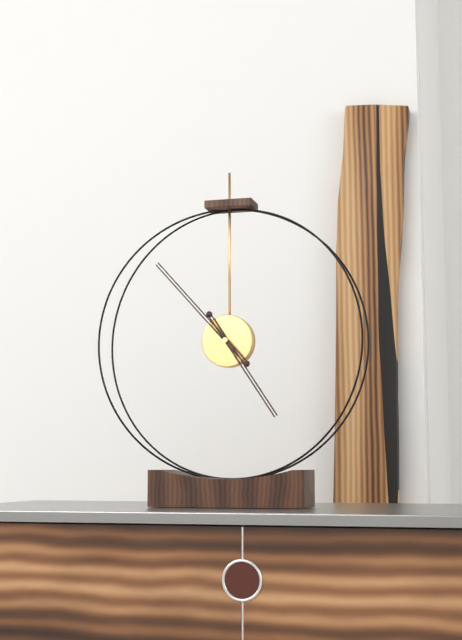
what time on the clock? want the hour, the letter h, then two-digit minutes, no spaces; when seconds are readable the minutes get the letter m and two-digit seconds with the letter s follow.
4h53
